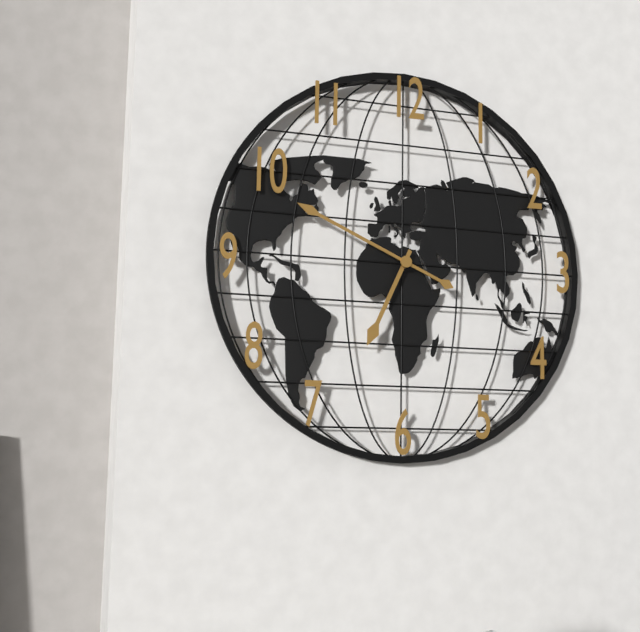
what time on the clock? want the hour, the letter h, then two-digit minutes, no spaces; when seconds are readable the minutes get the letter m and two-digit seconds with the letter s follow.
6h49
